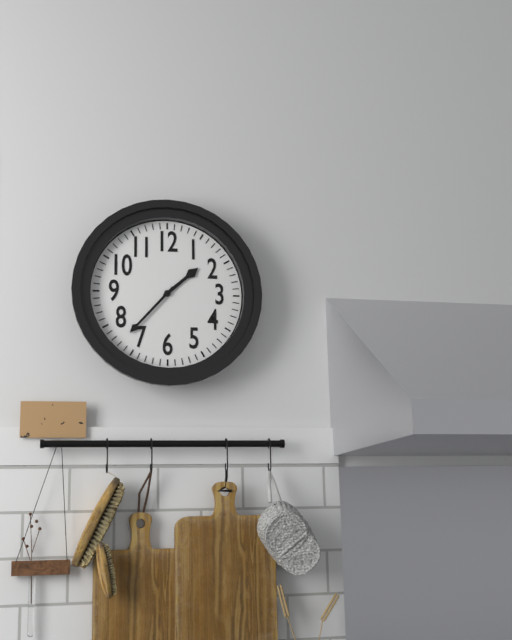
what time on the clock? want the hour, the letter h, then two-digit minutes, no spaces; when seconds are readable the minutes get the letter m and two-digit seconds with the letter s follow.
1h37
